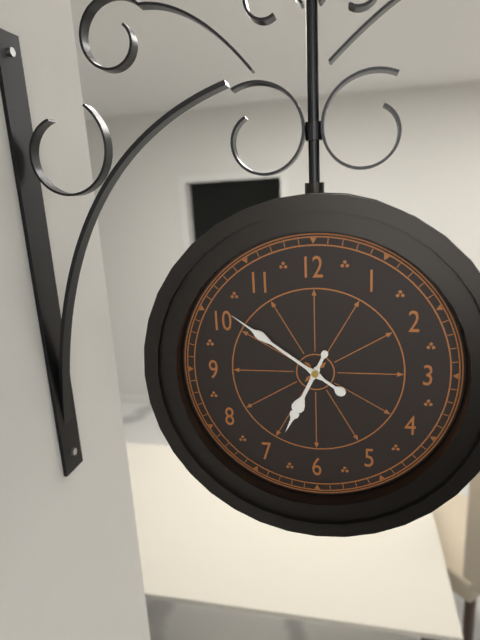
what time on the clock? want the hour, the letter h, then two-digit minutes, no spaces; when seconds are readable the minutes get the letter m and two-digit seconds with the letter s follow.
6h51
